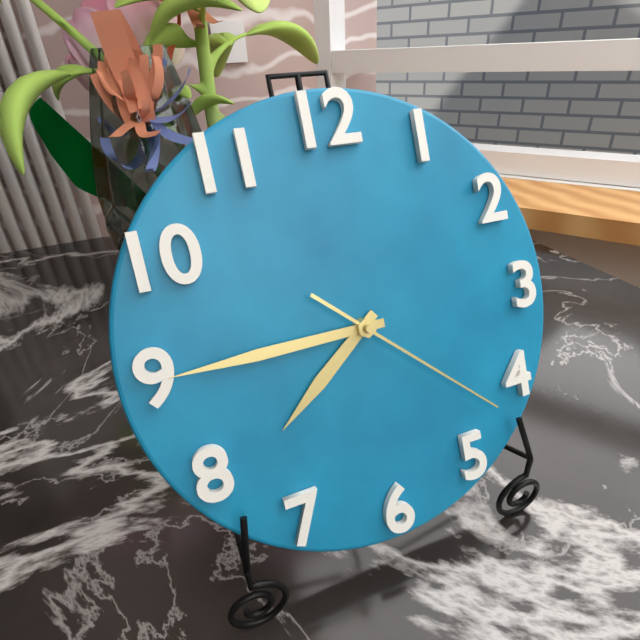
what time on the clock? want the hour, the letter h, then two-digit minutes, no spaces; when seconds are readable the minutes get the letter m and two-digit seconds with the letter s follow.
7h45m22s
